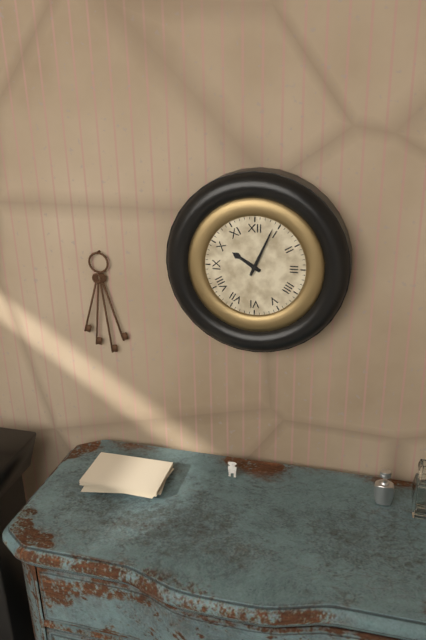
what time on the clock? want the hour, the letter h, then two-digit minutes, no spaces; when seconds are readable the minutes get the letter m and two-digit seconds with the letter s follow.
10h04
